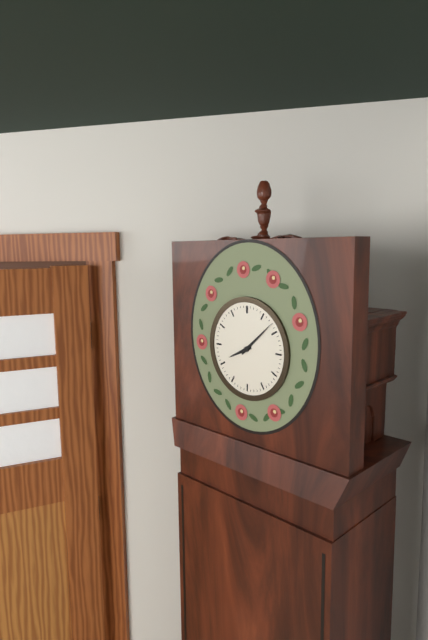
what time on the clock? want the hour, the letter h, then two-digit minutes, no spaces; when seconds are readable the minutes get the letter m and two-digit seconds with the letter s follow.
8h08
